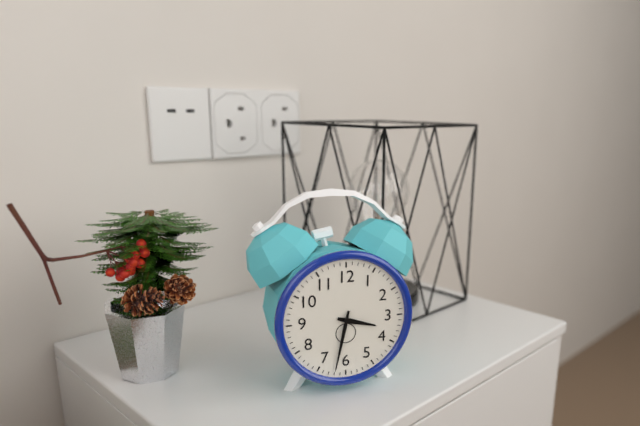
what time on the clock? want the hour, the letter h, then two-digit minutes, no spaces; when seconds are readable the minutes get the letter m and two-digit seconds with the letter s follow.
3h32
